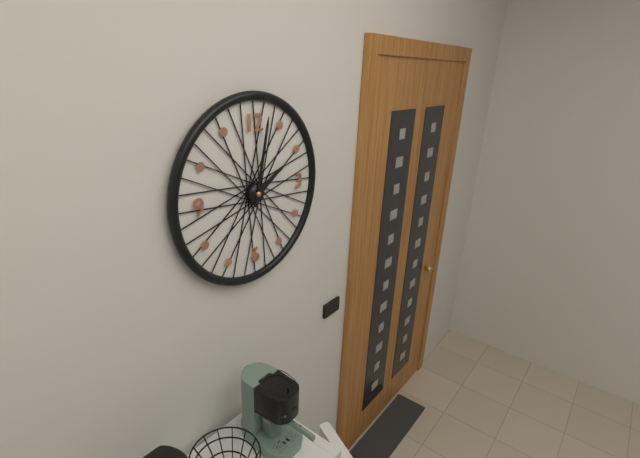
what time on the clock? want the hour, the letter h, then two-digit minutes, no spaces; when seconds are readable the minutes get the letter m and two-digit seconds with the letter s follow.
2h02
